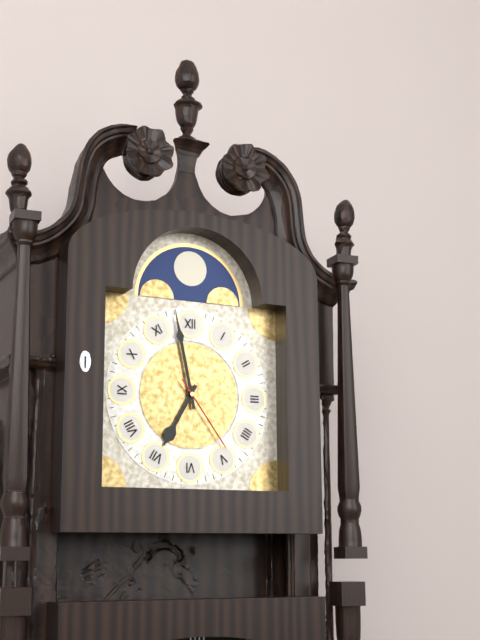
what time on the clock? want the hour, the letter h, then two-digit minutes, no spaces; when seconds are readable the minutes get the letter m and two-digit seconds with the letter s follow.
6h58m24s
